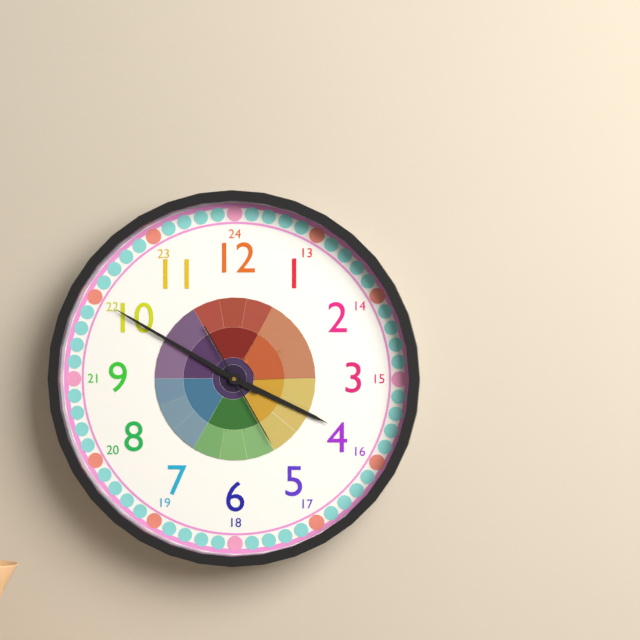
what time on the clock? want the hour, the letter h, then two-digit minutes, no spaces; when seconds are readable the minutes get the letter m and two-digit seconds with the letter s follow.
3h50m25s
